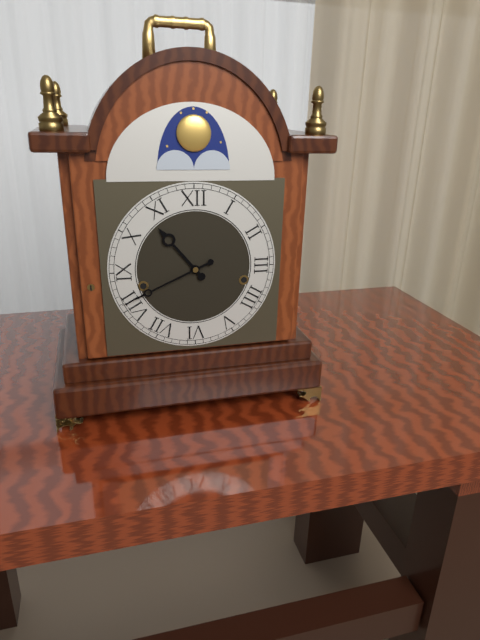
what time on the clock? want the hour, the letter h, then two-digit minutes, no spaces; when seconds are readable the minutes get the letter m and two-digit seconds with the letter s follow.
10h41
